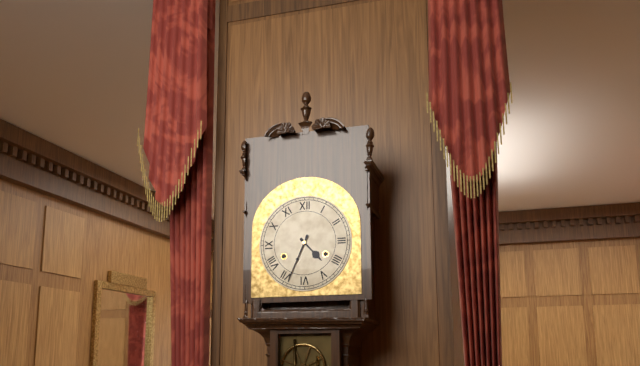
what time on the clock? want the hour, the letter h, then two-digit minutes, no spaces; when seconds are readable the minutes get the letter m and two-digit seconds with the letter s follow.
4h34
